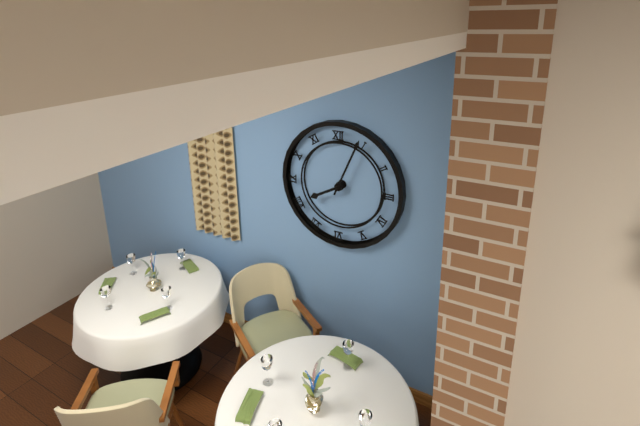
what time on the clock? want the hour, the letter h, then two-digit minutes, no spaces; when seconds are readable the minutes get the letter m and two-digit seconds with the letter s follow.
8h04
